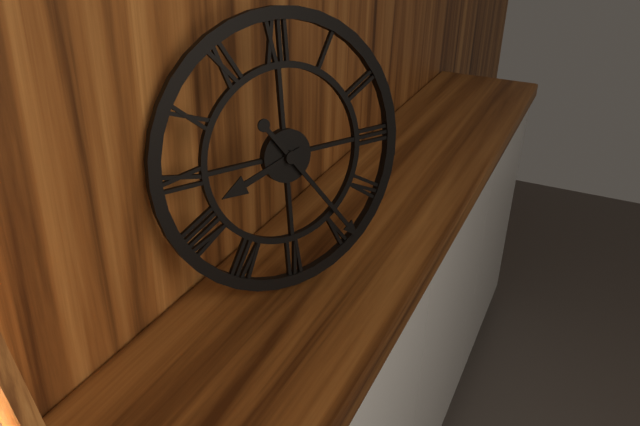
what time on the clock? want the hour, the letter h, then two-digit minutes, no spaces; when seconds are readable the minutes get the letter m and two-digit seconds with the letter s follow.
8h24
